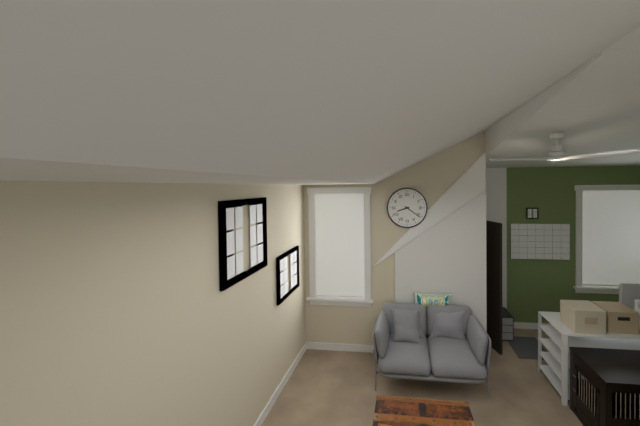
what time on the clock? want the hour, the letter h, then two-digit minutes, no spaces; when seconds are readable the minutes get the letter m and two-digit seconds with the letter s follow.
8h21
